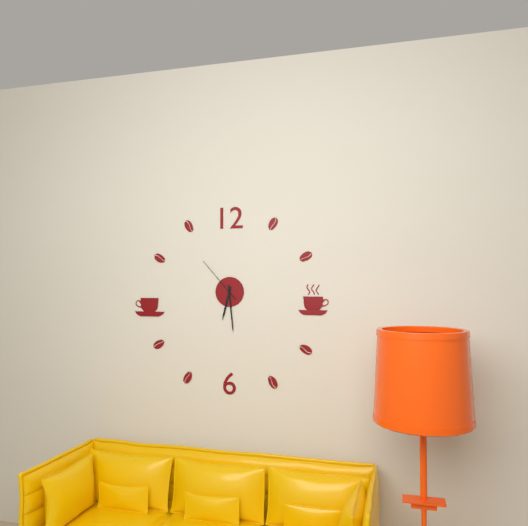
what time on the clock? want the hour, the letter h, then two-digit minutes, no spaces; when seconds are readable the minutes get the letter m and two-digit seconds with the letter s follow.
6h29m53s
